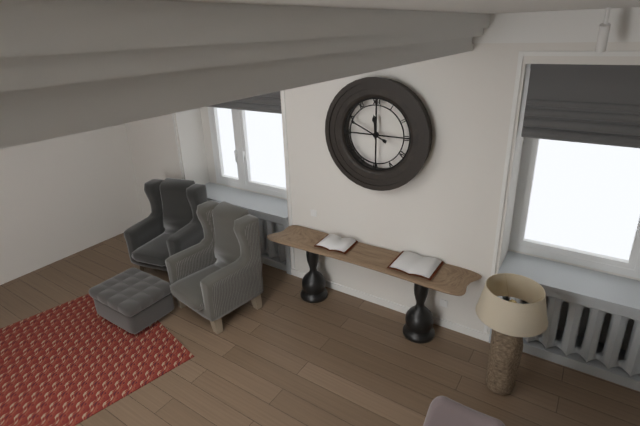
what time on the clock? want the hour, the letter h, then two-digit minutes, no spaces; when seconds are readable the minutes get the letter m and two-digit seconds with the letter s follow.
11h49
